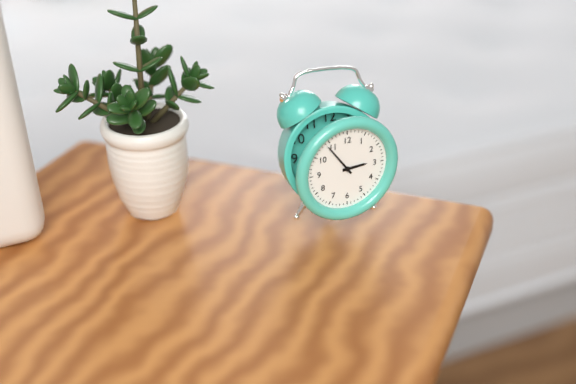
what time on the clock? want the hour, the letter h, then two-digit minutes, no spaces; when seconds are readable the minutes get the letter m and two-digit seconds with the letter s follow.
2h54
